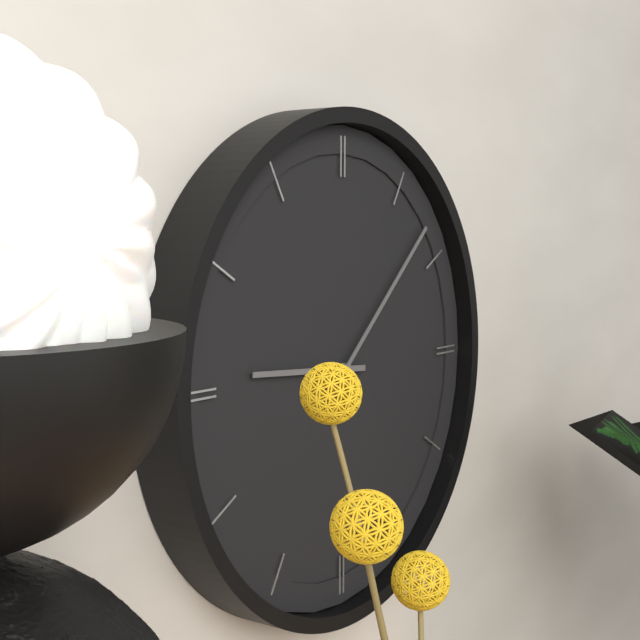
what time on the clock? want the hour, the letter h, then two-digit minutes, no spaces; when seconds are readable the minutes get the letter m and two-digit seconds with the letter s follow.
9h08
